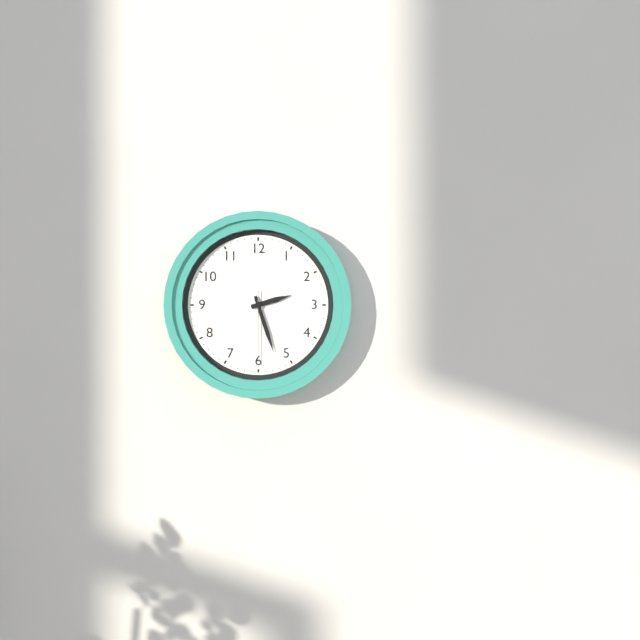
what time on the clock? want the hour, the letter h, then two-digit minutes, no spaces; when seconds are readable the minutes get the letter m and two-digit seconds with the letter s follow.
2h27m30s
